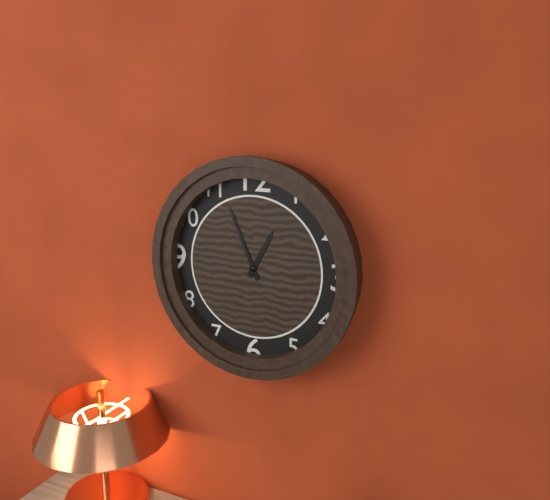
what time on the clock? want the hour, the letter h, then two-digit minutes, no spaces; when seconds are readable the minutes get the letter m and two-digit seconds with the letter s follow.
12h56
